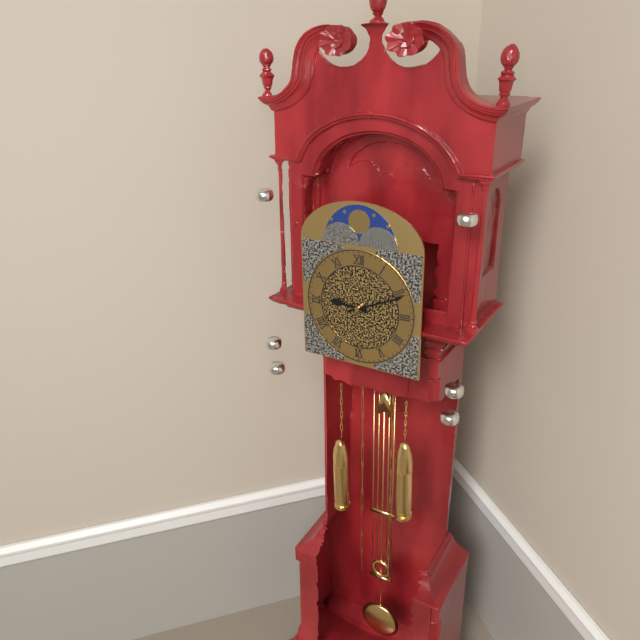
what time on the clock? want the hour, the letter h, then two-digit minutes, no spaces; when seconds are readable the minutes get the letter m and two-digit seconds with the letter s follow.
9h11
